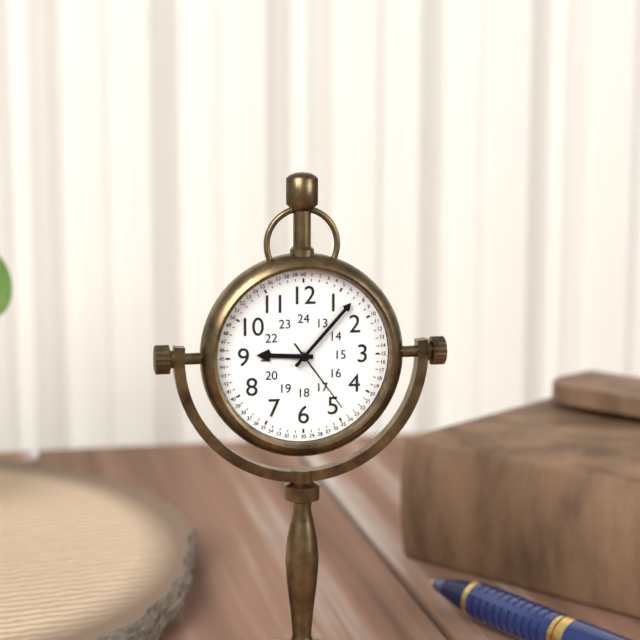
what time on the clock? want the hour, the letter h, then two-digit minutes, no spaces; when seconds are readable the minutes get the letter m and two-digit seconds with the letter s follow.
9h07m24s
